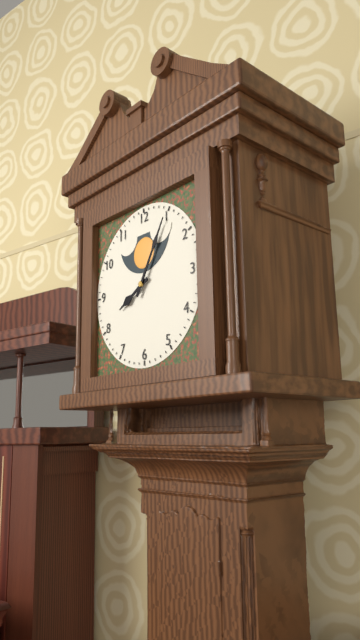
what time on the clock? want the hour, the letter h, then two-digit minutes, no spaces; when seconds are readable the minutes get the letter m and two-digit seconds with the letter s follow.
8h05
